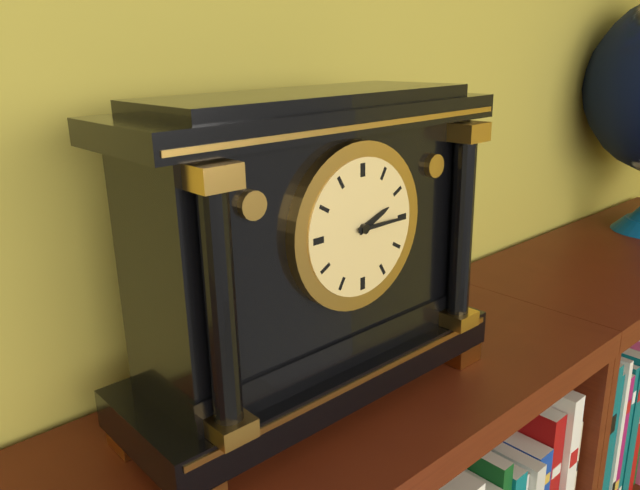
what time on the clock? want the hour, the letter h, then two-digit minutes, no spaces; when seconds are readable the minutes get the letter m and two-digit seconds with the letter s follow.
2h15
